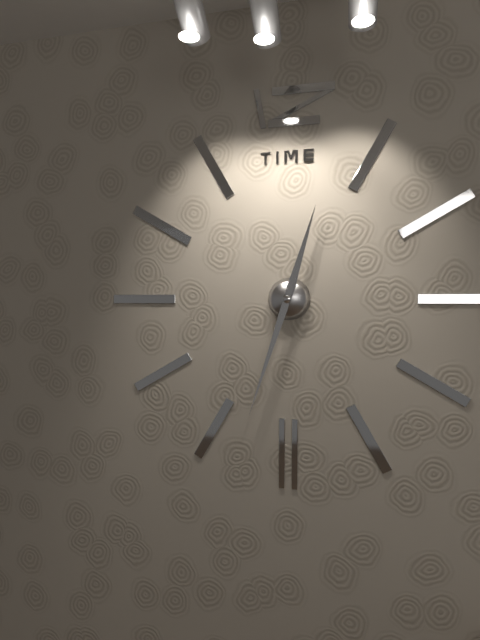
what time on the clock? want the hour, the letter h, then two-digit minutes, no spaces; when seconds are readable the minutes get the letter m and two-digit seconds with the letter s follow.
12h33
